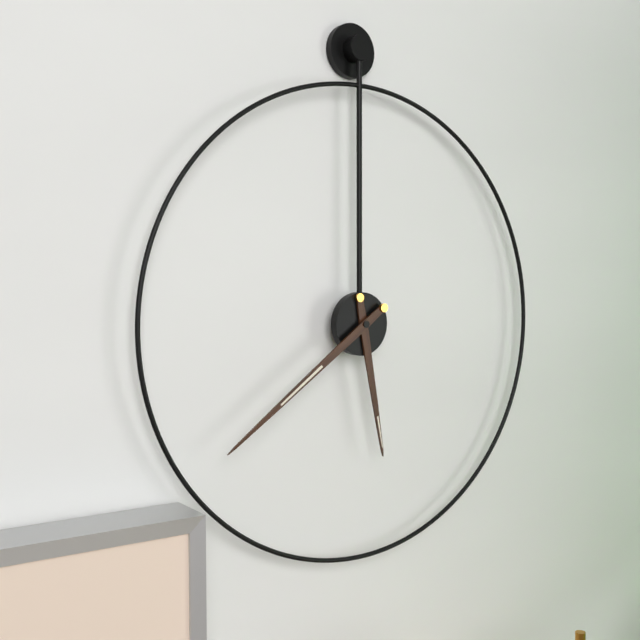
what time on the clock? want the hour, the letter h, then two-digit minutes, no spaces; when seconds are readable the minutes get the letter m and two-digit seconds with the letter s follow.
5h39
